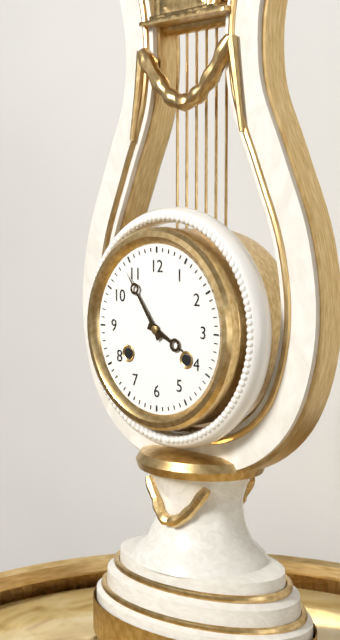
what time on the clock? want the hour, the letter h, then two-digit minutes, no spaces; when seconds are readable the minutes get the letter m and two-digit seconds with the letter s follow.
3h54
